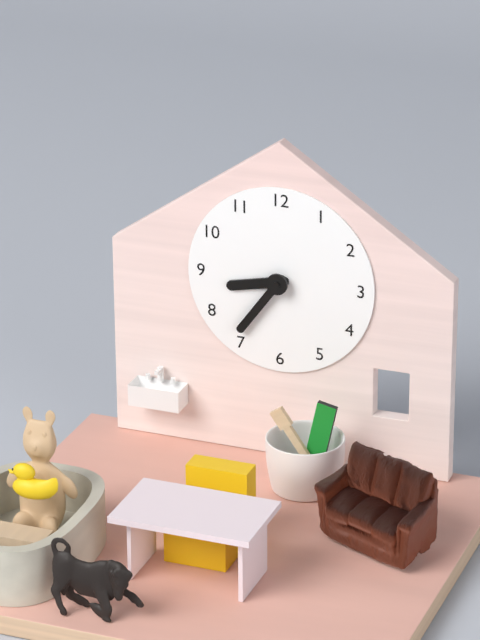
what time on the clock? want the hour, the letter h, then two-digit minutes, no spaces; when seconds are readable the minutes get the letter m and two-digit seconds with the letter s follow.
8h36
